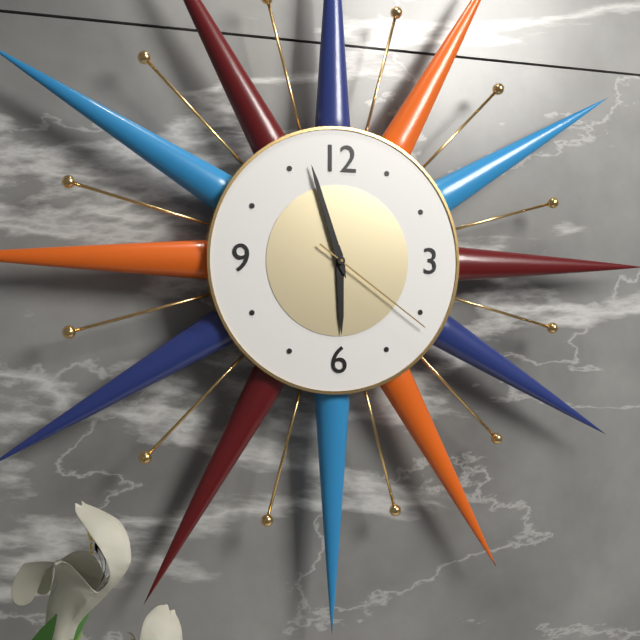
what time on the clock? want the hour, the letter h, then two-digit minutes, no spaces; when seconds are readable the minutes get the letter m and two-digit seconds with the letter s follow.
5h57m21s
